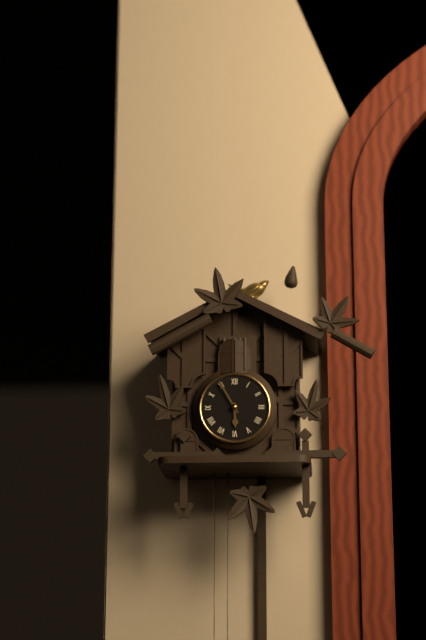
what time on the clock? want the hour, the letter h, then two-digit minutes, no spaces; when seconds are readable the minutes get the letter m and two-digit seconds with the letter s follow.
5h55
